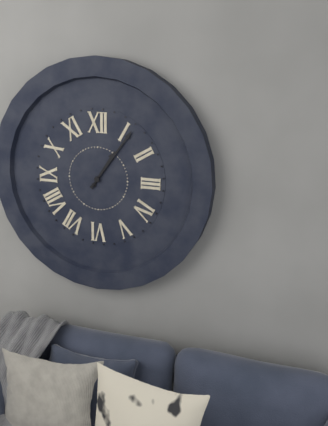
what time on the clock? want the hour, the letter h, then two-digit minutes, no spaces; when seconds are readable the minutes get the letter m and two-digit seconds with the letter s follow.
1h06
